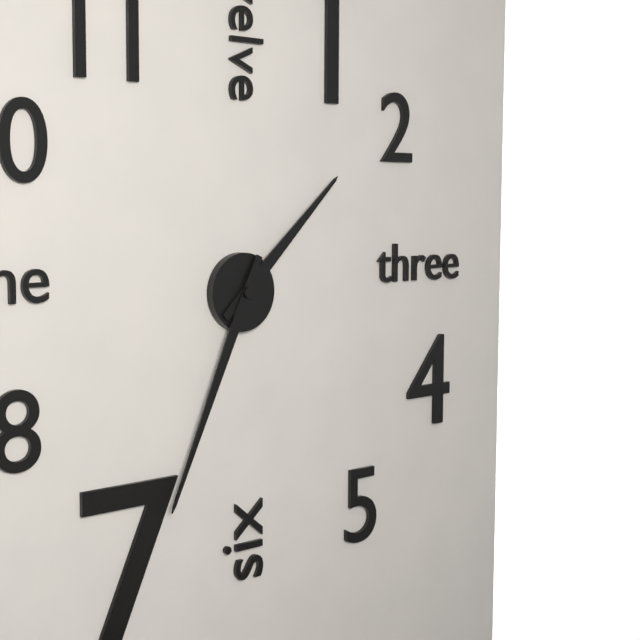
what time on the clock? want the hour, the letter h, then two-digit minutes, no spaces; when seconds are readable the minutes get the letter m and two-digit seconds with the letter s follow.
1h34
